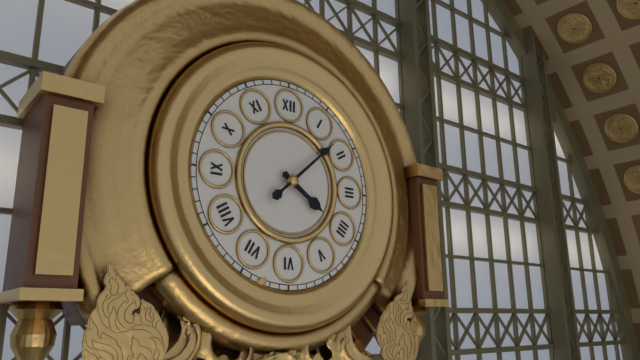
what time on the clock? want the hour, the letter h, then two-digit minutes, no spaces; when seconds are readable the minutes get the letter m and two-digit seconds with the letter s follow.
4h08
